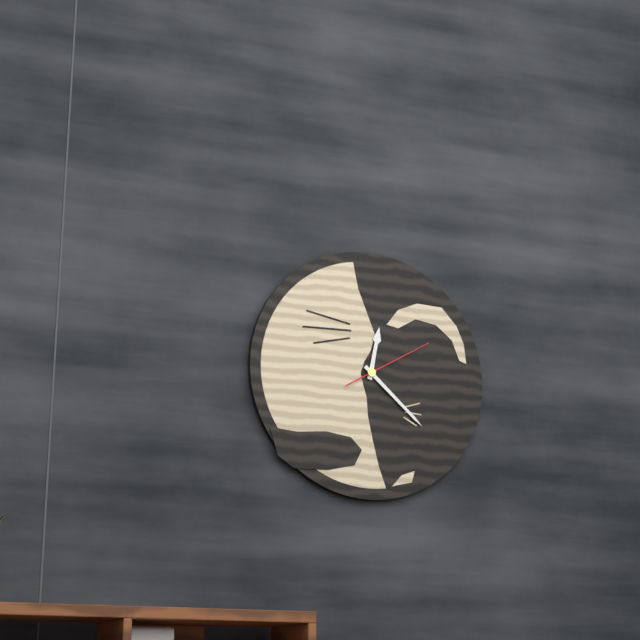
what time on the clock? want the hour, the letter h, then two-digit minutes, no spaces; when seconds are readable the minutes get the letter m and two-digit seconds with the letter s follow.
12h22m10s
